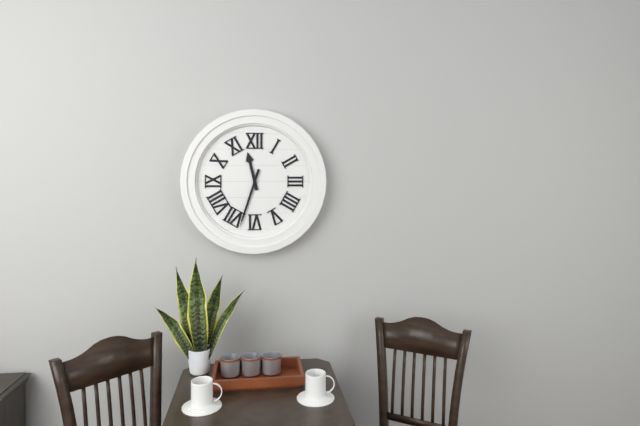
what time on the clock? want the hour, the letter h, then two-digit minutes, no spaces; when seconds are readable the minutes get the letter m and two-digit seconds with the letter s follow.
11h33
